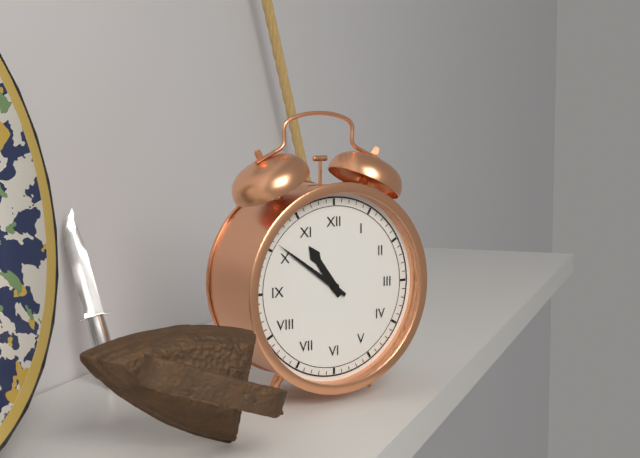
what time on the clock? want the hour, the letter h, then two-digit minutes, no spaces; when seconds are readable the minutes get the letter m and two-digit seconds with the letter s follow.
10h51
